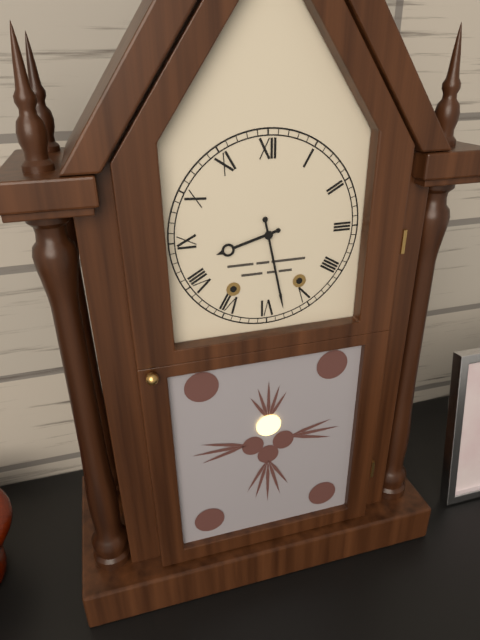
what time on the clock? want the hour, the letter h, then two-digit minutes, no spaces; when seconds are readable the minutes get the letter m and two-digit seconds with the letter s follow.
8h28
